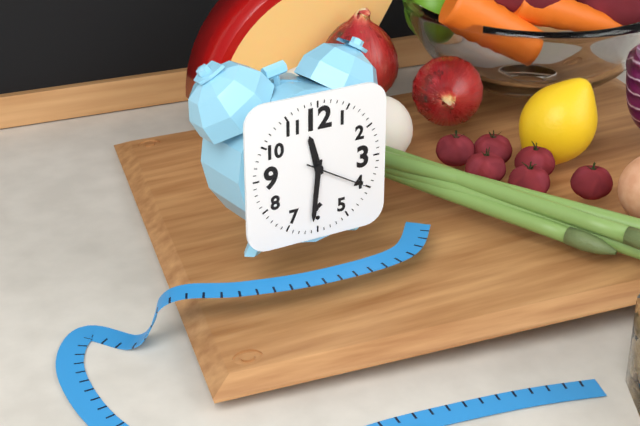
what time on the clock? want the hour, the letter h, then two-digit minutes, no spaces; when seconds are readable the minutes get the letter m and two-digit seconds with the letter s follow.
11h31m20s
